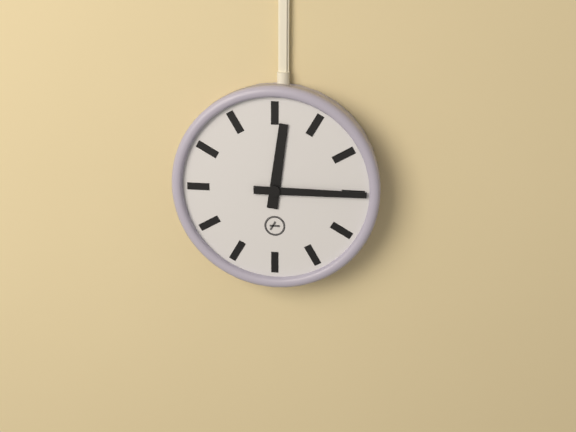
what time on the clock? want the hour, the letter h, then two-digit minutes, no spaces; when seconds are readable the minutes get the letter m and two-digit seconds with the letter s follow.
12h15
